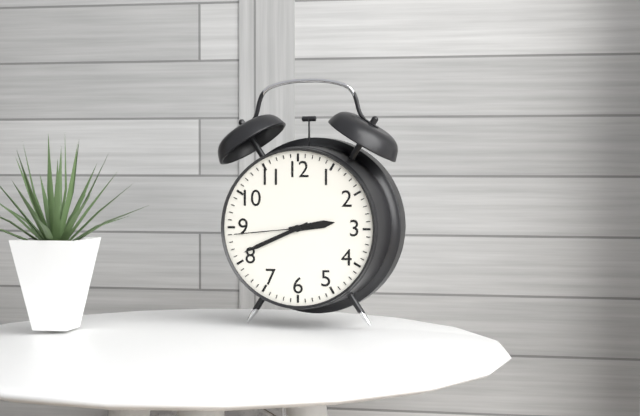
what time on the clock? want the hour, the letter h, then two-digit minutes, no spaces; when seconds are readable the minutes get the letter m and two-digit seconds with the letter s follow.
2h41m44s
